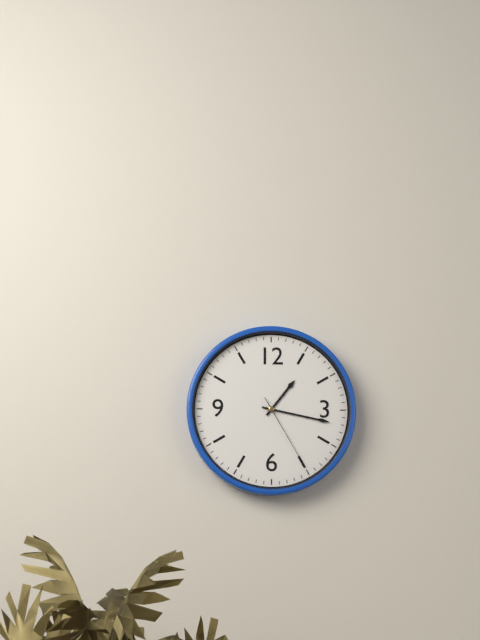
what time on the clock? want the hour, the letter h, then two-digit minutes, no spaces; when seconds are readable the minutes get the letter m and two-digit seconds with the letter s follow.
1h17m25s
